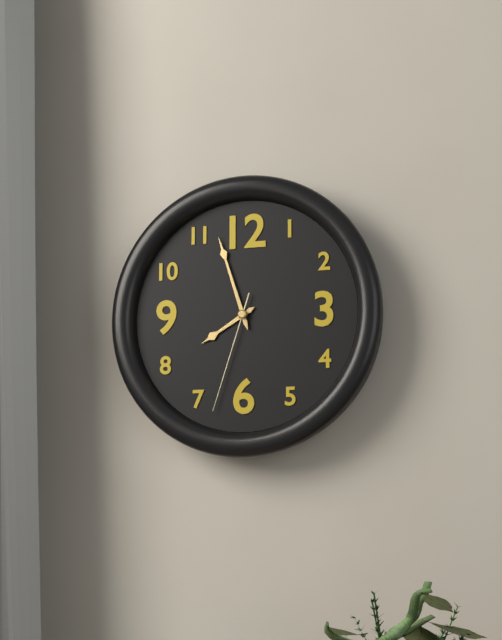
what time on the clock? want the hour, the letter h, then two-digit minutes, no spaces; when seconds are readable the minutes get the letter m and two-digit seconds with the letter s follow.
7h57m33s
